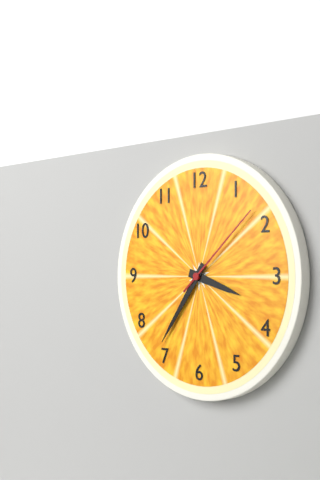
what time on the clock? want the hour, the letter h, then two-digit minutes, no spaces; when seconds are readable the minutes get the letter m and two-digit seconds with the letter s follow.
3h36m08s
